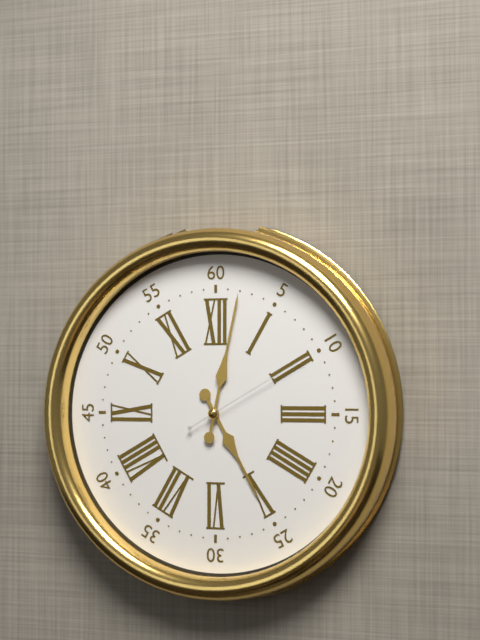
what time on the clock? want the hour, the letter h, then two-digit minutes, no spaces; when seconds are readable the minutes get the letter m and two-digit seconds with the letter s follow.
5h02m10s
